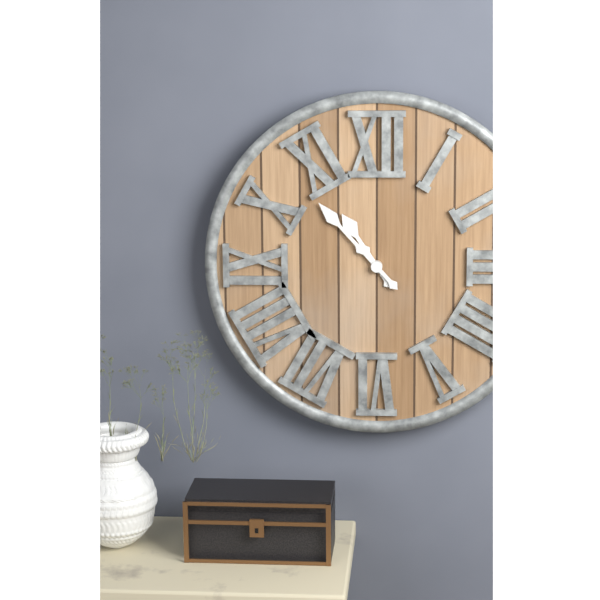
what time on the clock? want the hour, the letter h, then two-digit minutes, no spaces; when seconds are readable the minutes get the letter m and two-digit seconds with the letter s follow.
10h53
